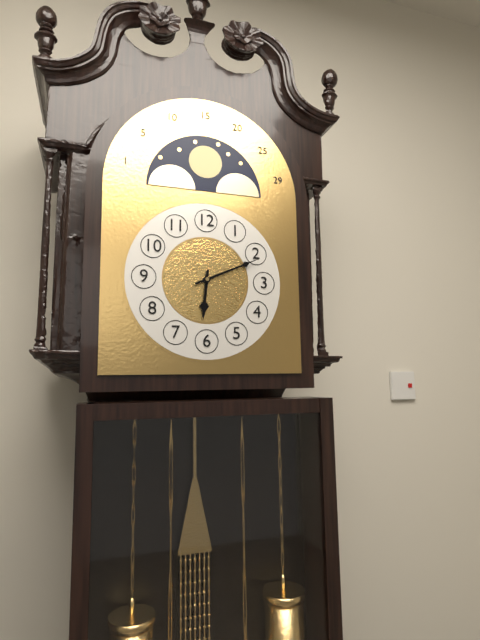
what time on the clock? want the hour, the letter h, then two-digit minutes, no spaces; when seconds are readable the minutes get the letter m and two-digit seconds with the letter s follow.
6h11
